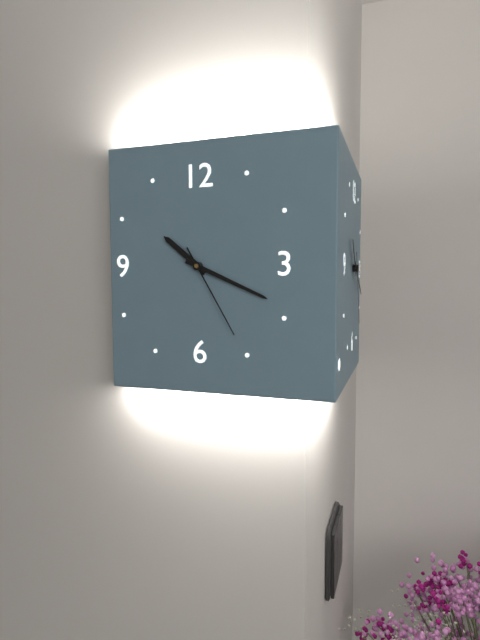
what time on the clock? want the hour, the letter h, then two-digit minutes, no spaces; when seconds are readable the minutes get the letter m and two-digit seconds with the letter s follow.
10h19m25s
